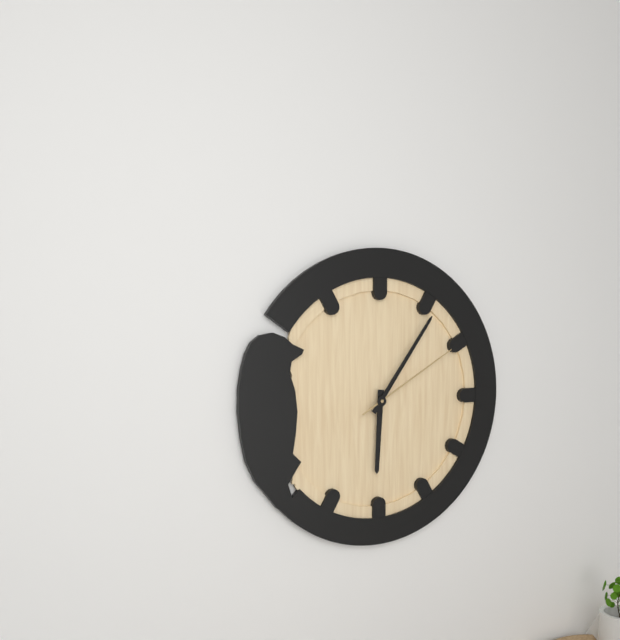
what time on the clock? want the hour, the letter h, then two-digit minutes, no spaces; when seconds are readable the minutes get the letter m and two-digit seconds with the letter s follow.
6h06m10s
